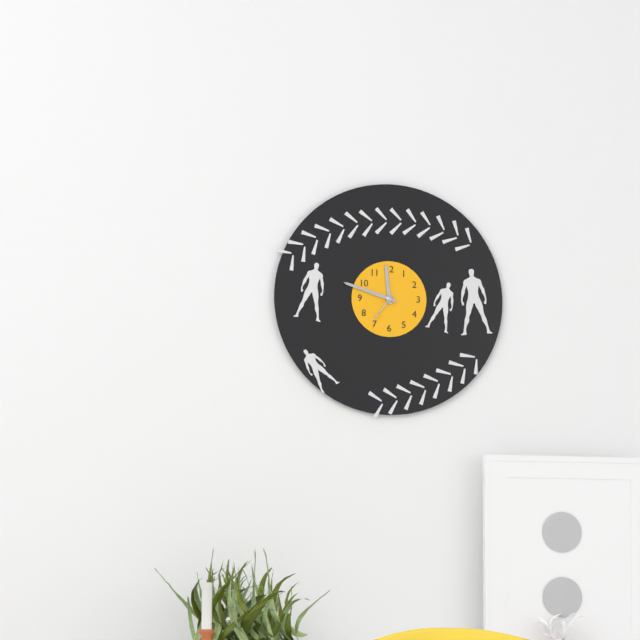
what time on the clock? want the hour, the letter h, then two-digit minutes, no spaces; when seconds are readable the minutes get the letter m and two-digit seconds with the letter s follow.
11h48
